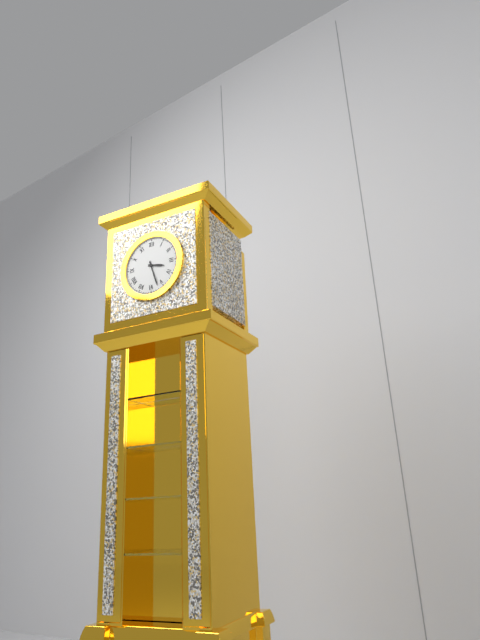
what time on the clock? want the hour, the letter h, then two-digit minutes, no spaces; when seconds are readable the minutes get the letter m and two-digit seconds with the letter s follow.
3h27
